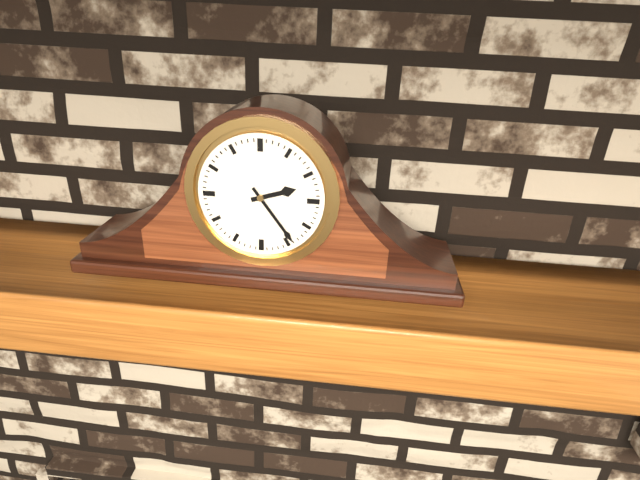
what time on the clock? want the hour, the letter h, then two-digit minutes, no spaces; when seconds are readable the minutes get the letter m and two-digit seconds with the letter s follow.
2h24
